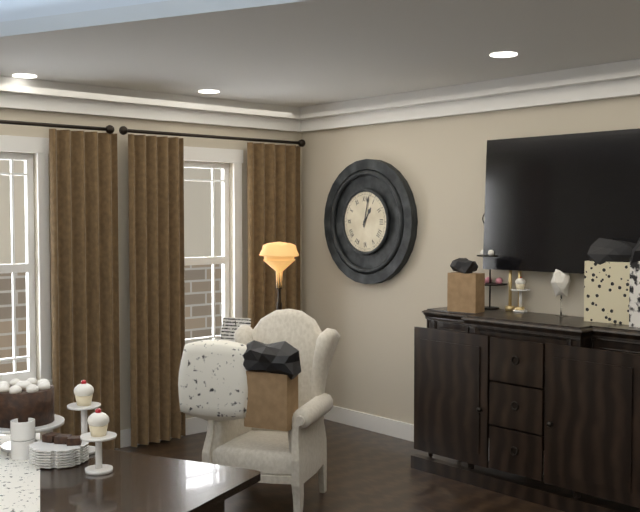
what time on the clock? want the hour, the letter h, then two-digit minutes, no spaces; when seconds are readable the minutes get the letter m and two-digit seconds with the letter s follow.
1h02
